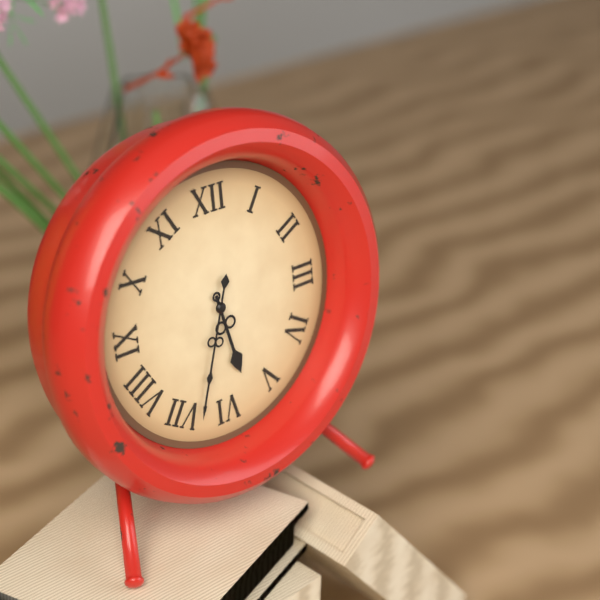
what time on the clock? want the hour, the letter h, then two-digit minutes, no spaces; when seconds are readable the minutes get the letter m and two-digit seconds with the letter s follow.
5h33
